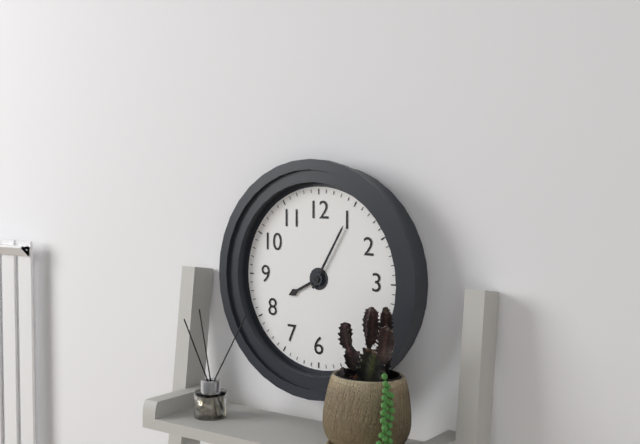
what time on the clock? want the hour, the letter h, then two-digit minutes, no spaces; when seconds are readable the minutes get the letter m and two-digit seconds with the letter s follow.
8h05
